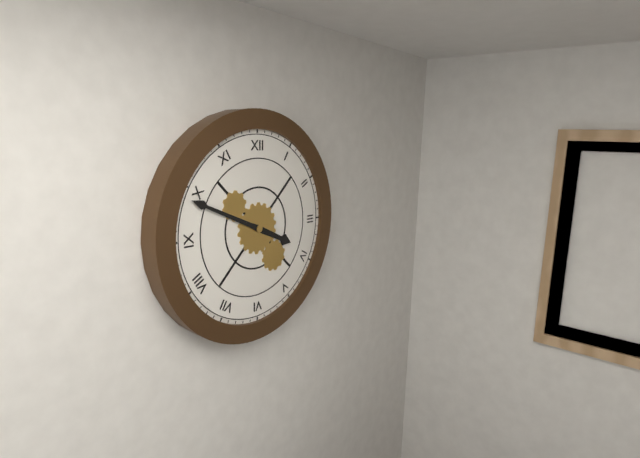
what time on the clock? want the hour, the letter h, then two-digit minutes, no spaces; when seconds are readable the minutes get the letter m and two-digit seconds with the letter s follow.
3h49
